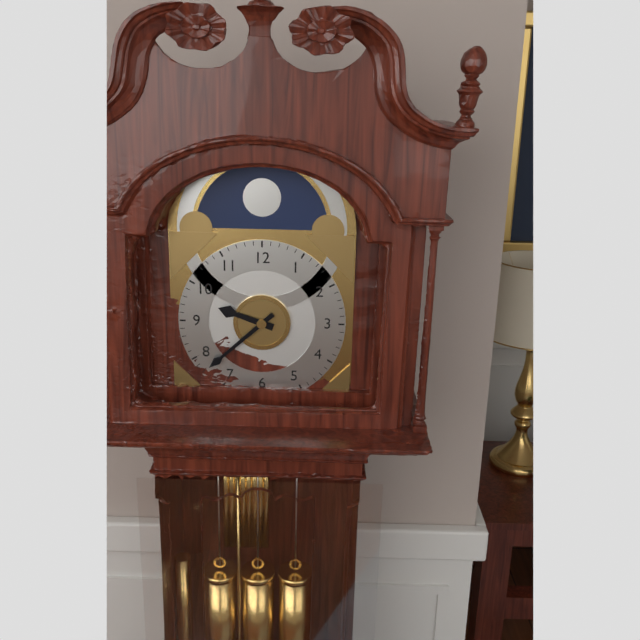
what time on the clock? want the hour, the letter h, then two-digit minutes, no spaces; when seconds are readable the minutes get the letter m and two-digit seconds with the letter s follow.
9h38
